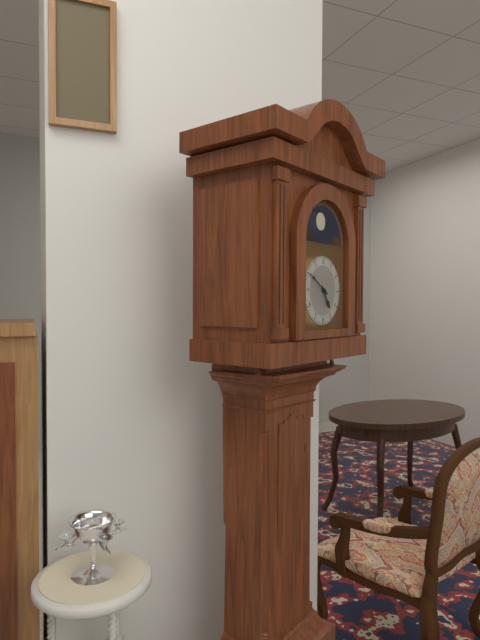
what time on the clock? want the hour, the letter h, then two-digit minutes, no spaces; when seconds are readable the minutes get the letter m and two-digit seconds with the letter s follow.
4h50
